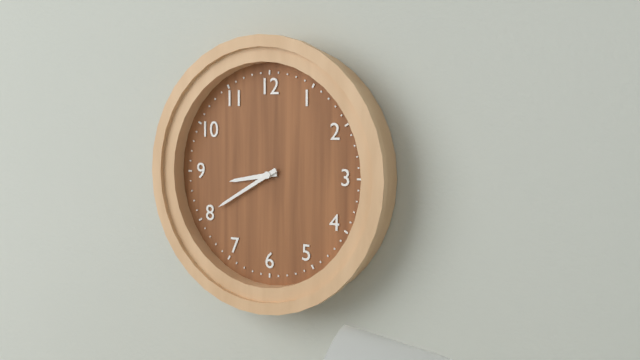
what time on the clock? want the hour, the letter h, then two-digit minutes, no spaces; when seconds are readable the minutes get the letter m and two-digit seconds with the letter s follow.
8h40
